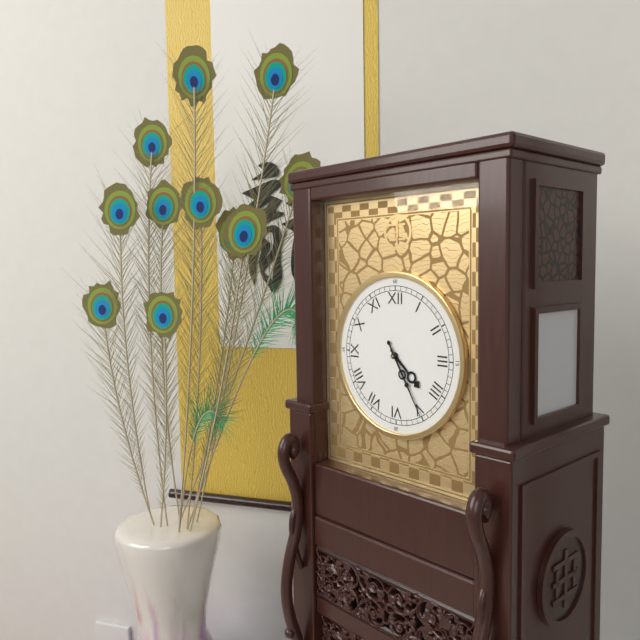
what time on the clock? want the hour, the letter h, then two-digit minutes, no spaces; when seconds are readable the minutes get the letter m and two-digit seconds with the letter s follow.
4h25
